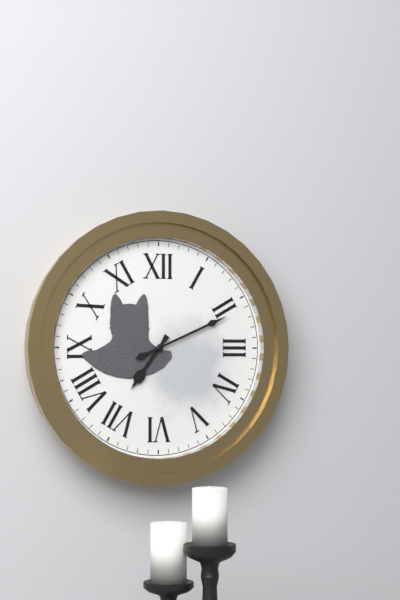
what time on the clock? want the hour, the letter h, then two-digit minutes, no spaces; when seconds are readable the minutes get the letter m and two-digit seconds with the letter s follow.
7h11
